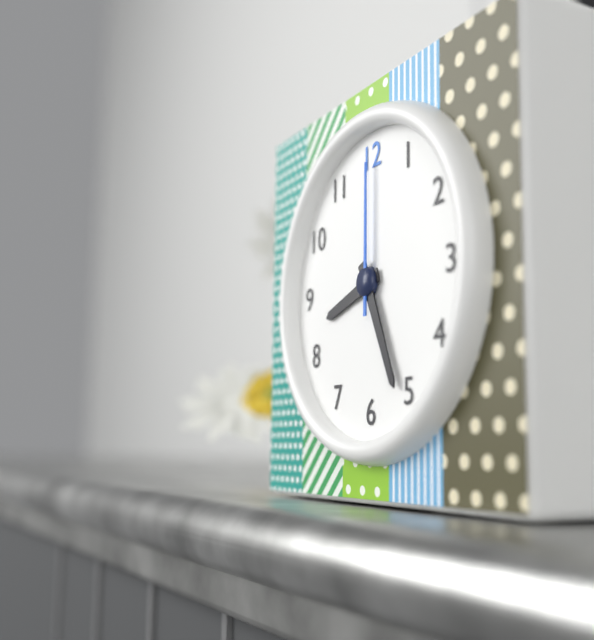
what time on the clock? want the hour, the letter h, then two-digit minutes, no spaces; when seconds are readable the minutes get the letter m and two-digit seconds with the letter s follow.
8h26m00s
